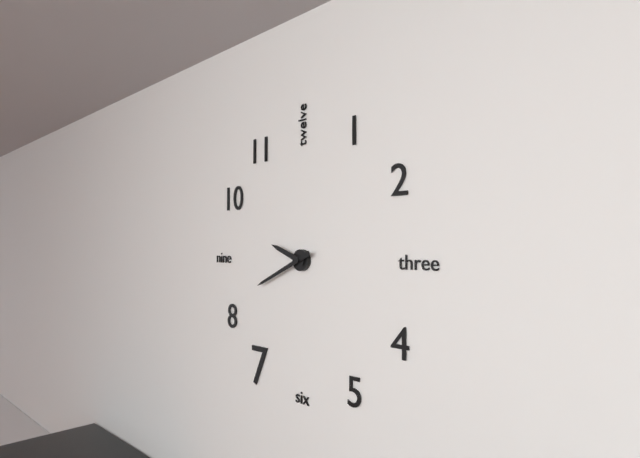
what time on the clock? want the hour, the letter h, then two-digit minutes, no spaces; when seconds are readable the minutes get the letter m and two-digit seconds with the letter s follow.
9h41
